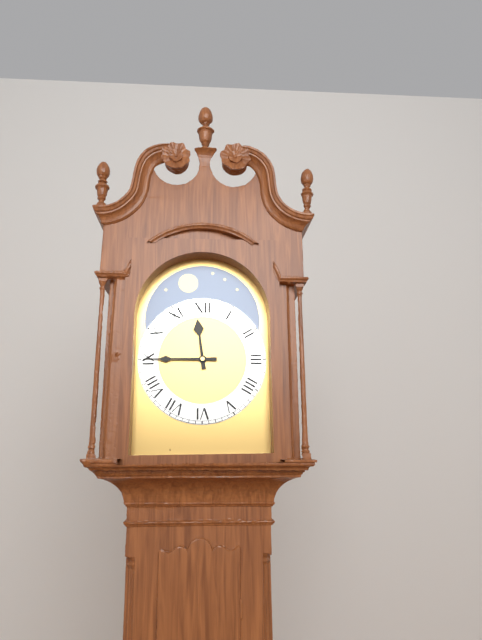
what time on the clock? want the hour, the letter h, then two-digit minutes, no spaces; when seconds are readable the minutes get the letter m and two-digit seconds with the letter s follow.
11h45
